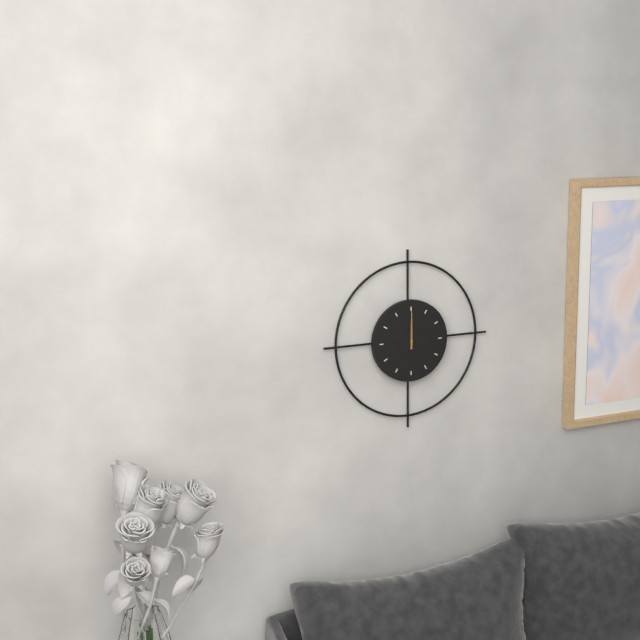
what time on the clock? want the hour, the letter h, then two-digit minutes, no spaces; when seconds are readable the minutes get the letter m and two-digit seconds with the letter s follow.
12h00
